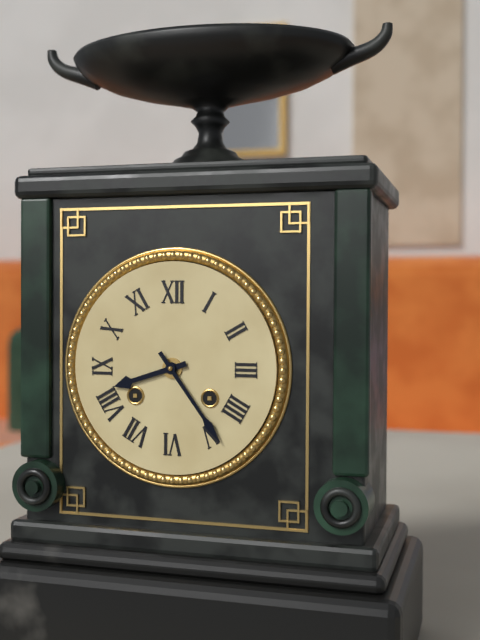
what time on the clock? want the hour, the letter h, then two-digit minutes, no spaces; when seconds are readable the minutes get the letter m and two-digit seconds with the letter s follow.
8h24
